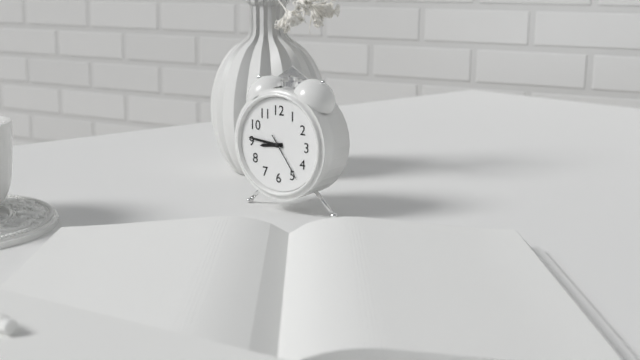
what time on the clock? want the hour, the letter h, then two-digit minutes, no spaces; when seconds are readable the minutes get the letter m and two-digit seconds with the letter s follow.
8h46m24s
